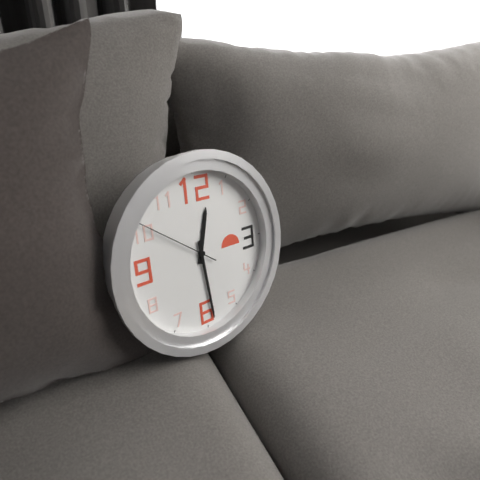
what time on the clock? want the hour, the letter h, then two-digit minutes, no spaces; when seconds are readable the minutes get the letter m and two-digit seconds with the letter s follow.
12h29m51s
